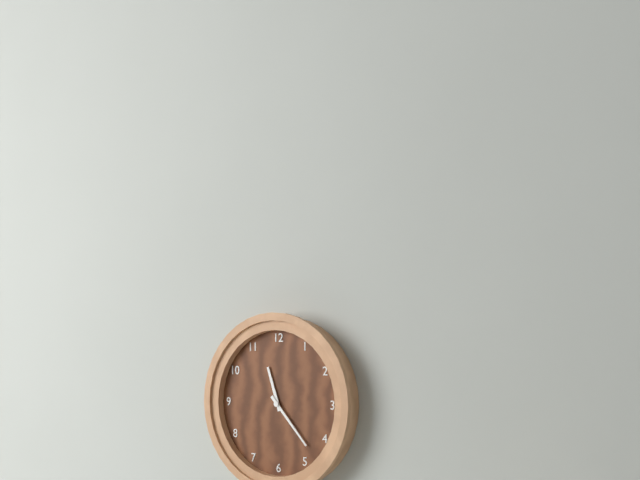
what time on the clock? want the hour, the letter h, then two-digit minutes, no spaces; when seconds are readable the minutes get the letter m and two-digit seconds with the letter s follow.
11h23
